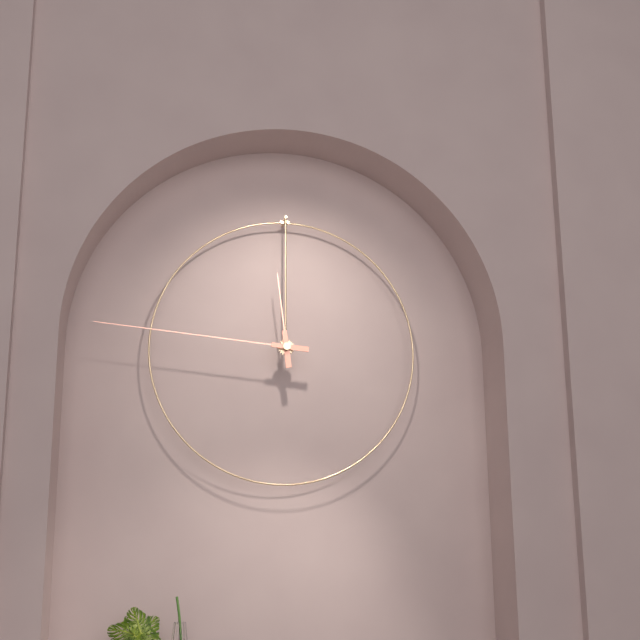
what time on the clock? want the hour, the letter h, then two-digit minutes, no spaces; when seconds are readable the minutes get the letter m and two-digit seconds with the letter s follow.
11h46
